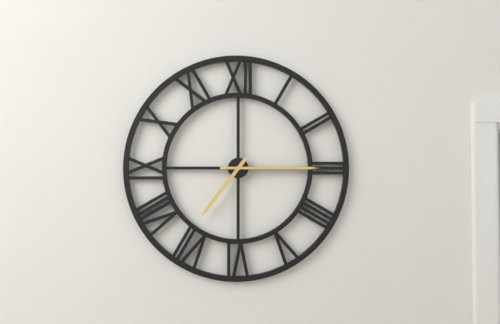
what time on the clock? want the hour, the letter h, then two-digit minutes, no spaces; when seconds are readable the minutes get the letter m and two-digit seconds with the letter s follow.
7h15
